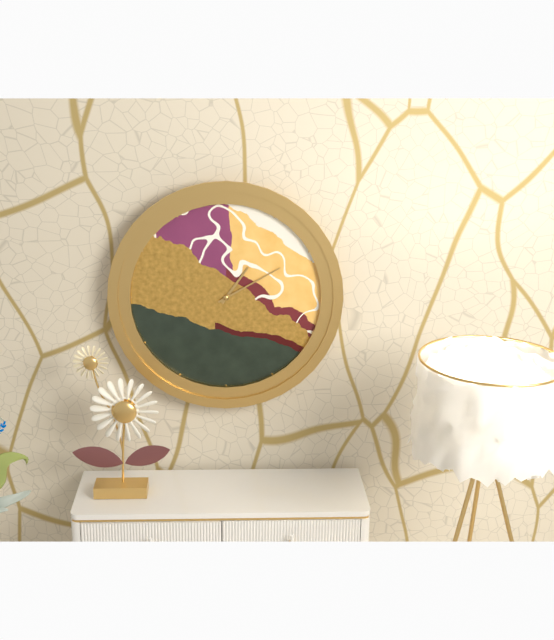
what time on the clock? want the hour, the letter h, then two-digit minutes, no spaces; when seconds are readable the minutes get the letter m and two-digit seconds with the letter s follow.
1h10
